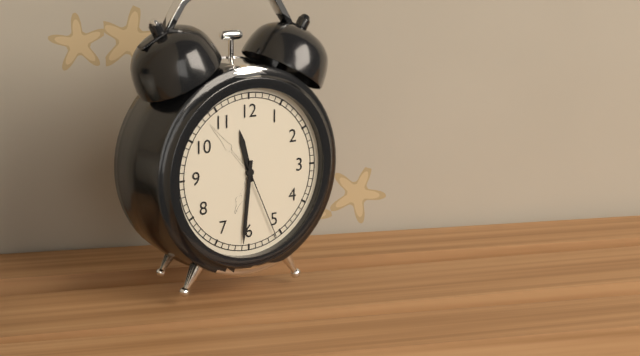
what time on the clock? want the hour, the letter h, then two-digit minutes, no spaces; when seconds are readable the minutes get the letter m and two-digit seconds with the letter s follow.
11h31m26s
